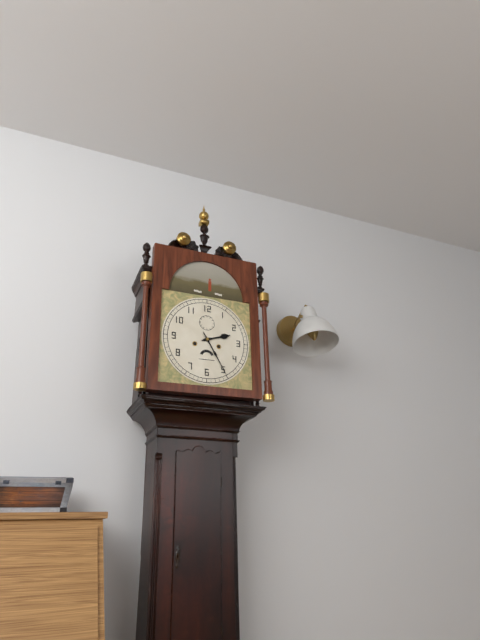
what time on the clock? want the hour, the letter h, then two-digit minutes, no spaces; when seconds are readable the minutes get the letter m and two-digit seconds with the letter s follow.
2h25
